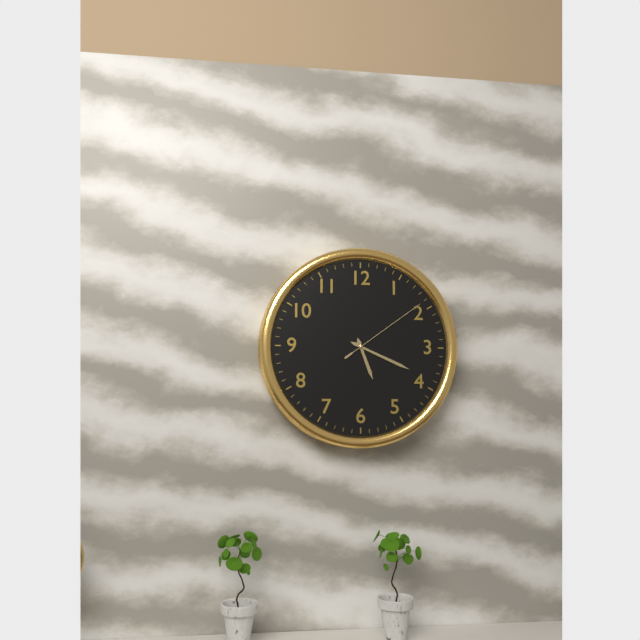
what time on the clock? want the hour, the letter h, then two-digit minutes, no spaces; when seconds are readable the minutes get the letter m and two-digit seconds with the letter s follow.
5h19m09s
